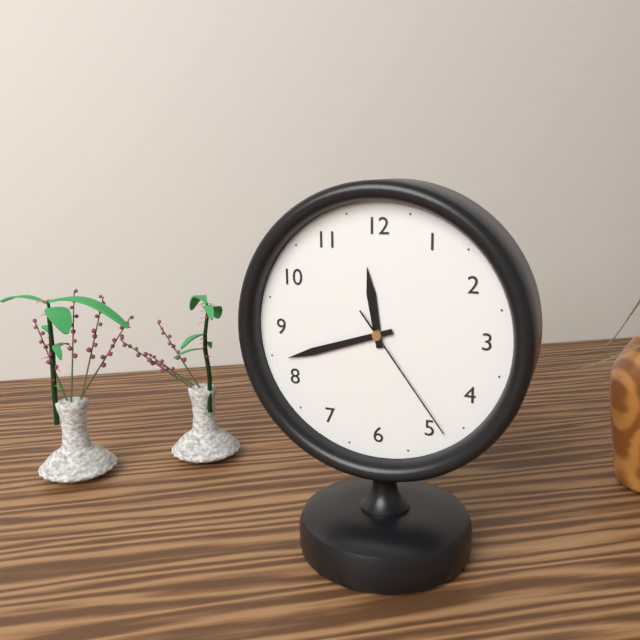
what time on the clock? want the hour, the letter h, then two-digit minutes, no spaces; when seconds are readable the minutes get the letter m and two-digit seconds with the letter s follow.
11h42m24s
